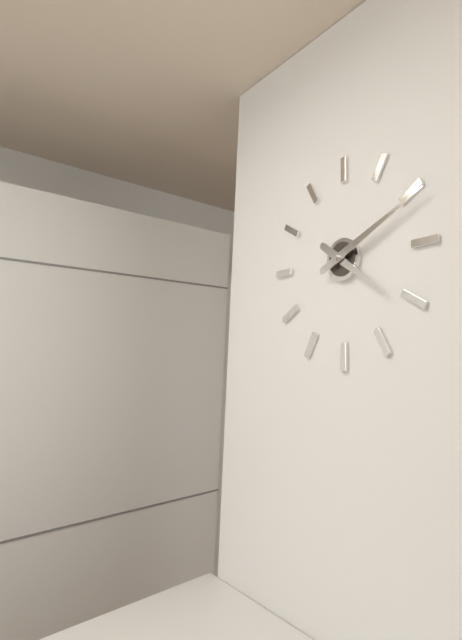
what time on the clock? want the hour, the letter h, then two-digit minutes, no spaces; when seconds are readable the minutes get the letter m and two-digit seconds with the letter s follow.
4h11
